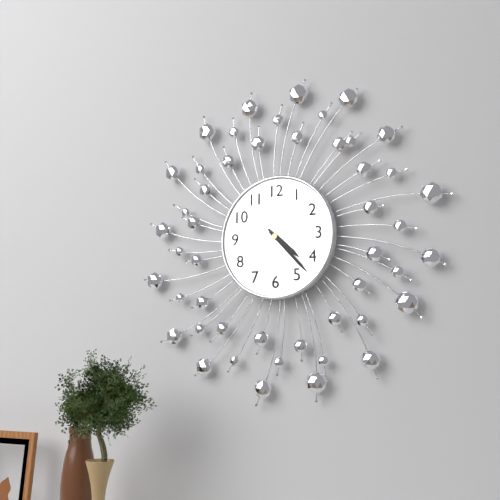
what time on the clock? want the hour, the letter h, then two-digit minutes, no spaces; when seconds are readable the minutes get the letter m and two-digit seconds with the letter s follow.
4h23
